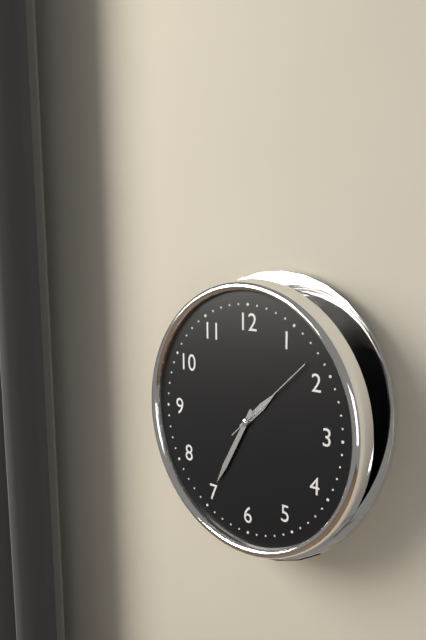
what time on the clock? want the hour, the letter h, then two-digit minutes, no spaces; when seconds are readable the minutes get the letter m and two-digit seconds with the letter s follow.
1h35m08s
